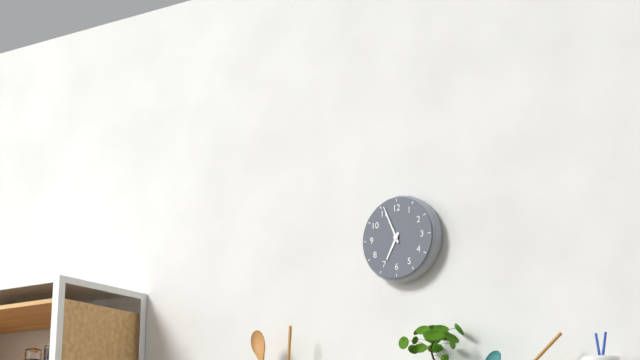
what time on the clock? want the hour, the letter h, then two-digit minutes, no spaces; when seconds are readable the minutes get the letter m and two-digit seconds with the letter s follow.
6h56
